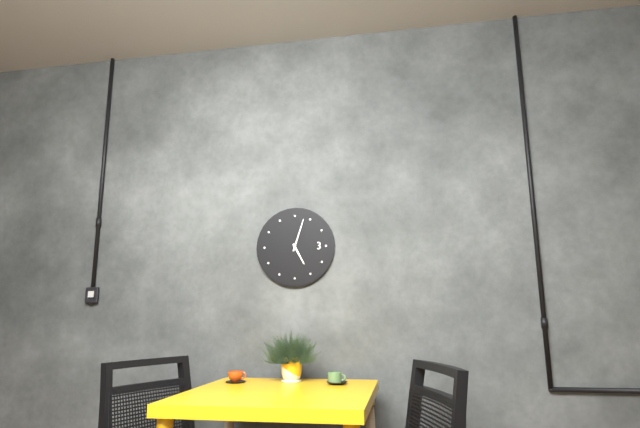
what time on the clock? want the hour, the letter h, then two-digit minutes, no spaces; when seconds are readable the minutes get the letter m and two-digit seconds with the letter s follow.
5h03
